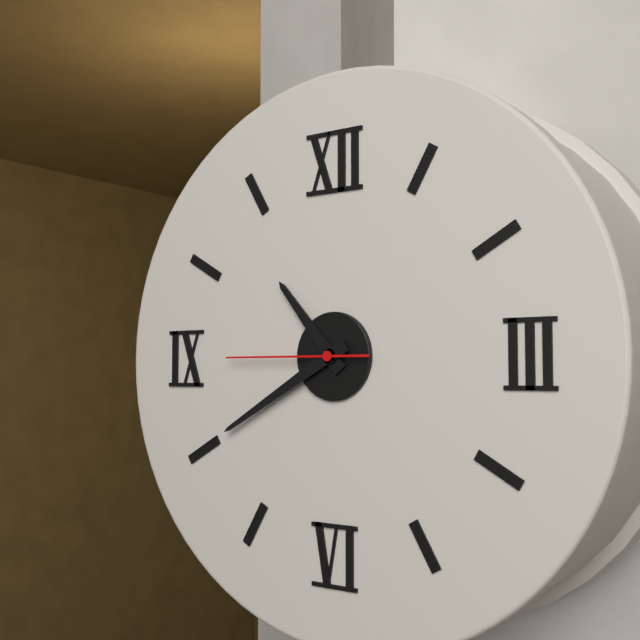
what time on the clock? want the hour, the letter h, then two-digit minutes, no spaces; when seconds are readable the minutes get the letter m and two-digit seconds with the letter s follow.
10h40m45s
